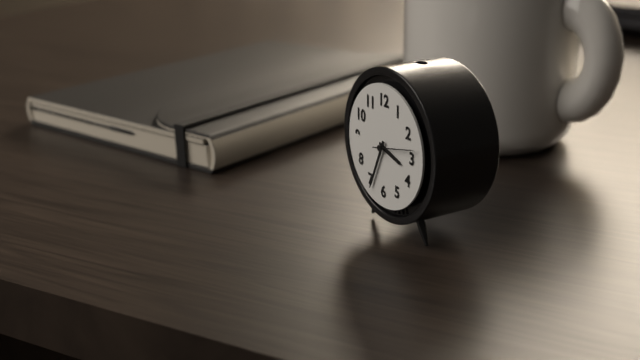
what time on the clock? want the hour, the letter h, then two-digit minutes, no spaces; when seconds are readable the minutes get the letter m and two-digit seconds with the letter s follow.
3h34
